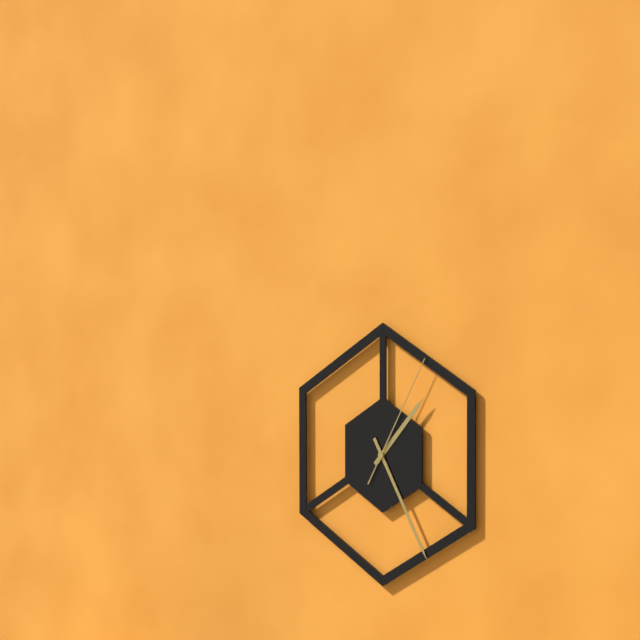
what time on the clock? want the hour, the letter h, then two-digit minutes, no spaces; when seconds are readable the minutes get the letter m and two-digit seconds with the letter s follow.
1h25m05s
